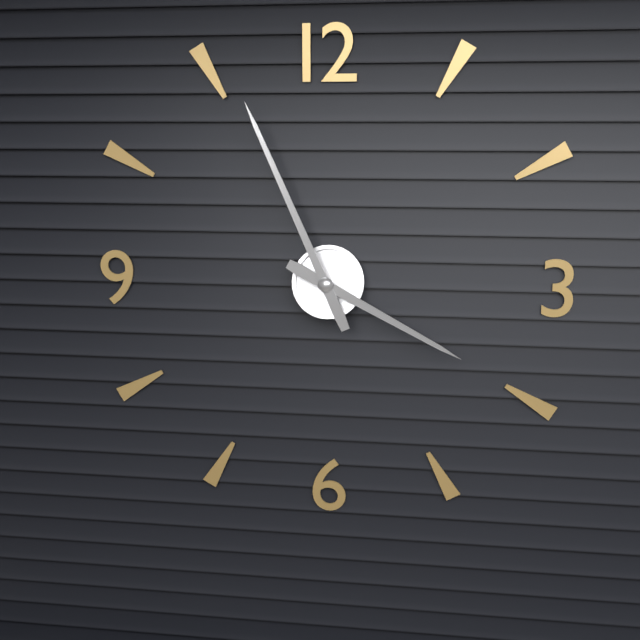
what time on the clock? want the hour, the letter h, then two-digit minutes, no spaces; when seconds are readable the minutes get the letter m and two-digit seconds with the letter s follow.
3h56
